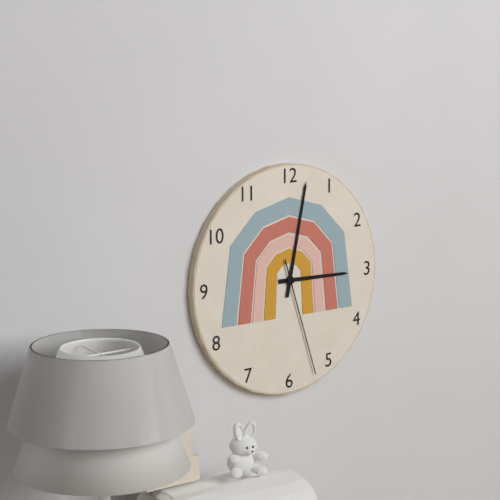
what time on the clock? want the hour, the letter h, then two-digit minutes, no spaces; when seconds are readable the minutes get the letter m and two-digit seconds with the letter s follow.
3h02m27s
